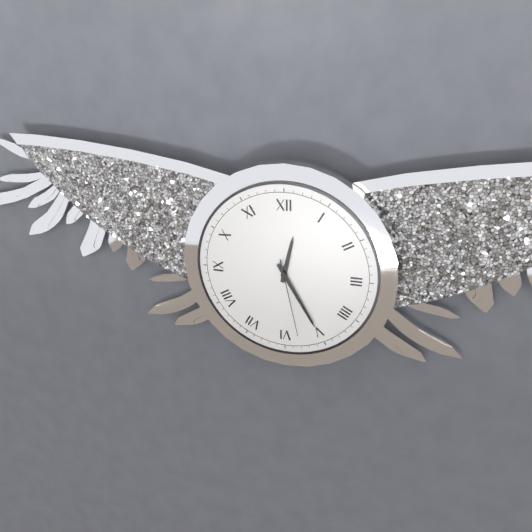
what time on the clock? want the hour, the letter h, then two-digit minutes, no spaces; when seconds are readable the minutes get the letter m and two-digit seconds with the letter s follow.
12h25m28s
